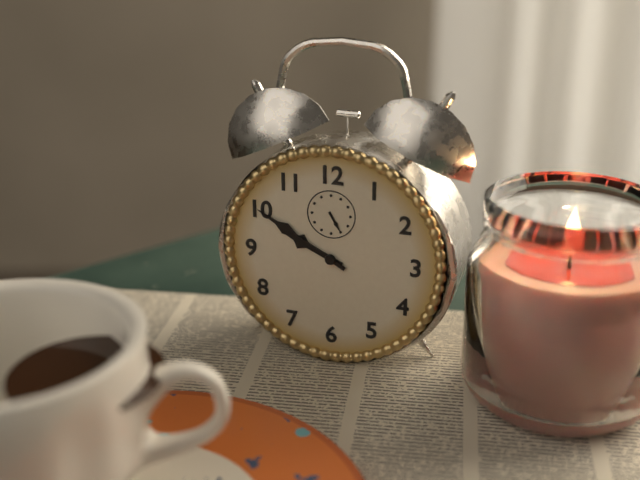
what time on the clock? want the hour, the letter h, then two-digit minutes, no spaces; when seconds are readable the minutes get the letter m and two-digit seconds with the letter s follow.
9h50
